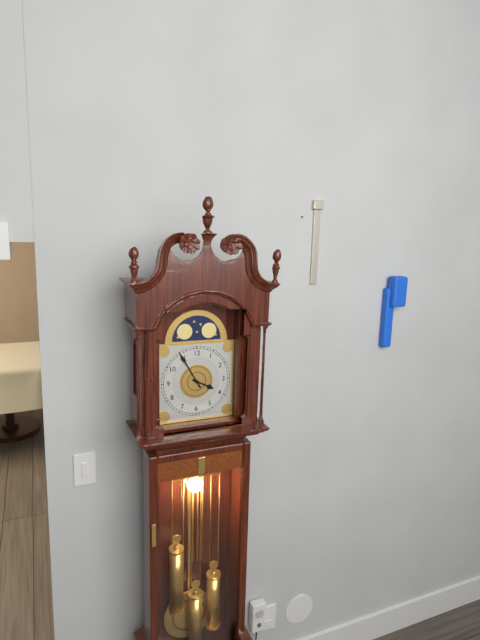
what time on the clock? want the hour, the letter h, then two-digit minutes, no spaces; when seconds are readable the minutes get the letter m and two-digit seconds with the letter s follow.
3h55
